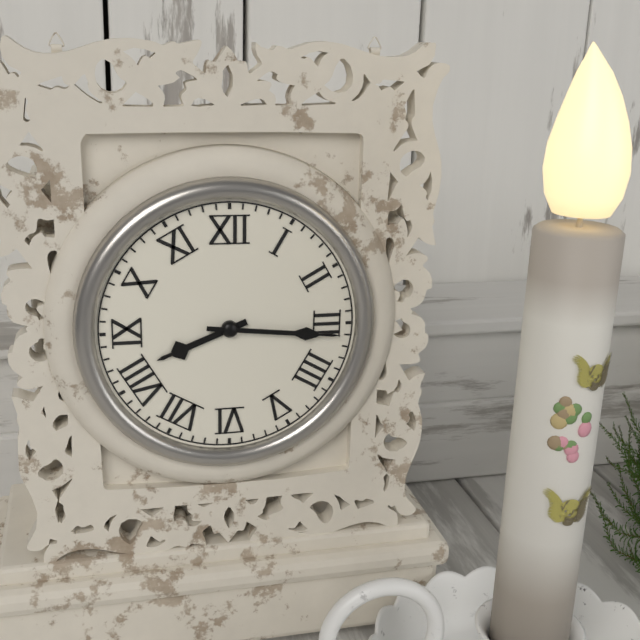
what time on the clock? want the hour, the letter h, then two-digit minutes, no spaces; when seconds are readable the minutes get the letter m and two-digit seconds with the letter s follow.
8h16
